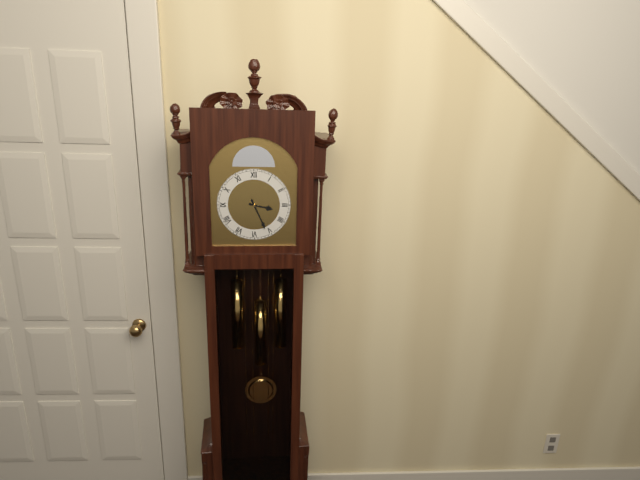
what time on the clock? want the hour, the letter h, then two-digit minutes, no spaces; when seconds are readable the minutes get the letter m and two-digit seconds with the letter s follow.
3h26
